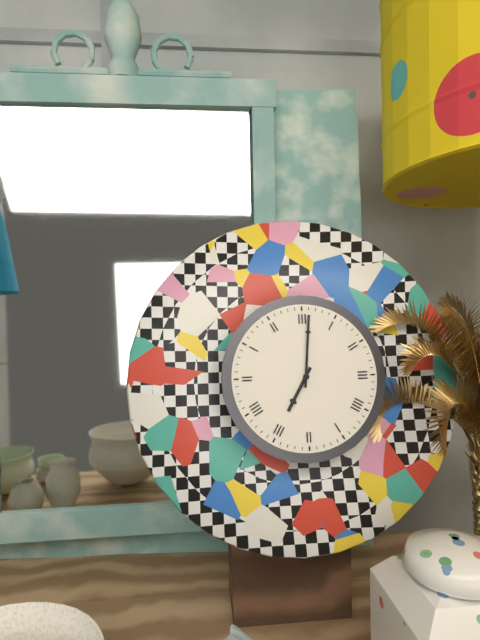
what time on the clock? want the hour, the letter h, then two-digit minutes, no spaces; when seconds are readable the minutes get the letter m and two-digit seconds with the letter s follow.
7h01
